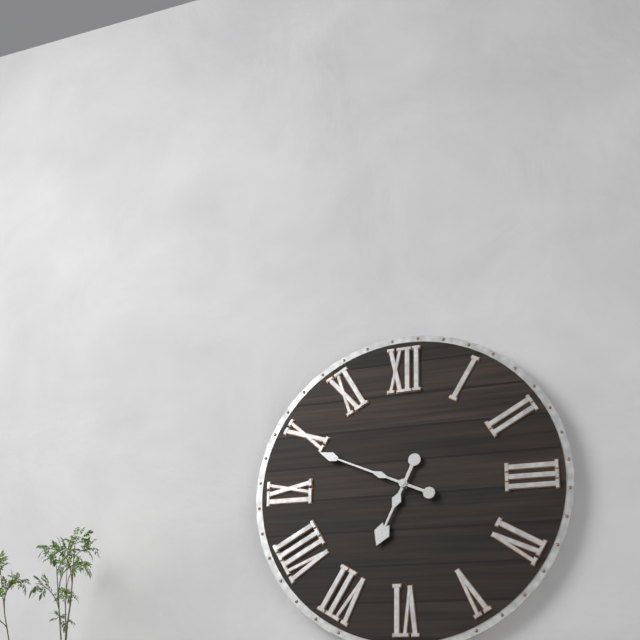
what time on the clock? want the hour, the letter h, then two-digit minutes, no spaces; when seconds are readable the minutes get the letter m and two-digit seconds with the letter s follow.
6h49
